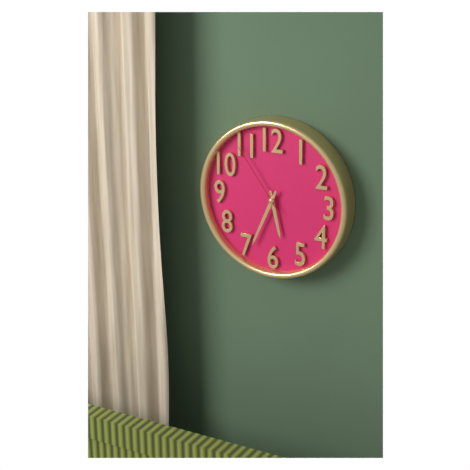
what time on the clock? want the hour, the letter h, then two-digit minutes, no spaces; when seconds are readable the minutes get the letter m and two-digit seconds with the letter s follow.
5h34m54s
